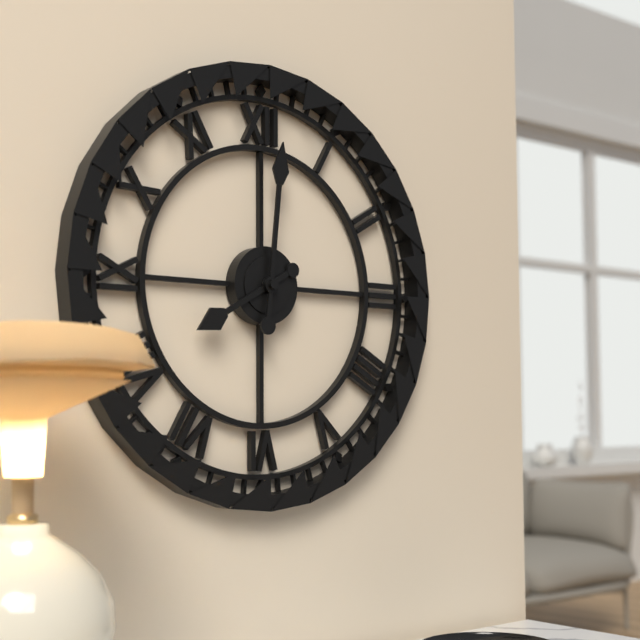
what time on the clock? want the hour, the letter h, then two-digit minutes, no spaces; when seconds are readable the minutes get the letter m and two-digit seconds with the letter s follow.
8h01
